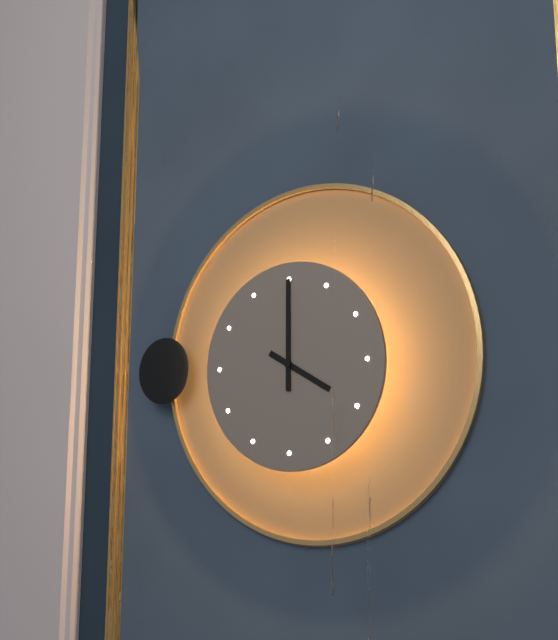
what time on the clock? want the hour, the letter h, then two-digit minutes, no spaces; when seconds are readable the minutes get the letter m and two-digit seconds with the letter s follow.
4h00
